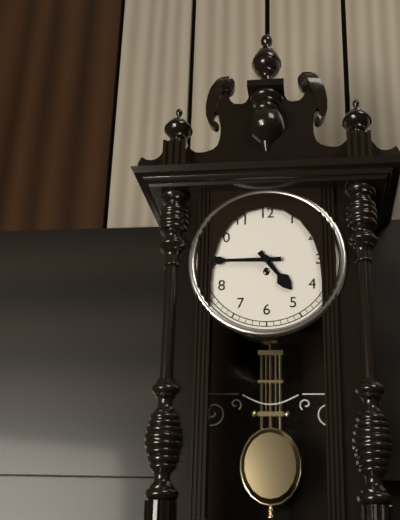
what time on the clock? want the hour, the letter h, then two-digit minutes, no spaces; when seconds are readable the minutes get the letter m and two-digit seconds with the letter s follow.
4h45
